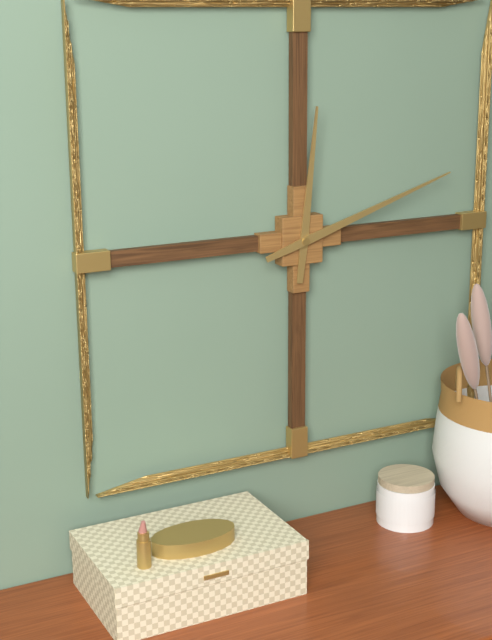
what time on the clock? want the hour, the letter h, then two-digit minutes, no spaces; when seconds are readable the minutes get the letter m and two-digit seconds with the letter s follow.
12h12
